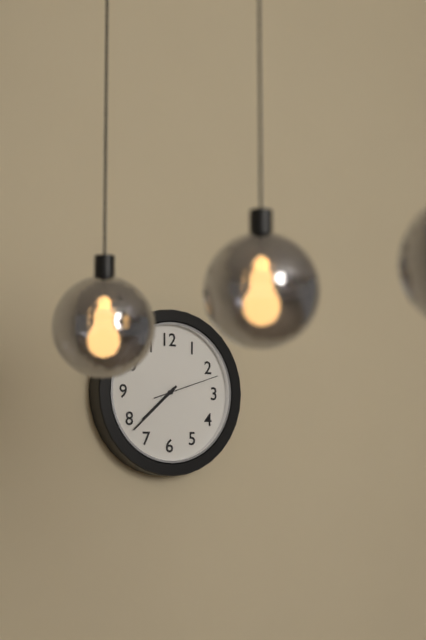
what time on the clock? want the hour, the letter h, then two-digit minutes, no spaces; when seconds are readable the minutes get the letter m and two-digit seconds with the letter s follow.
7h38m12s
